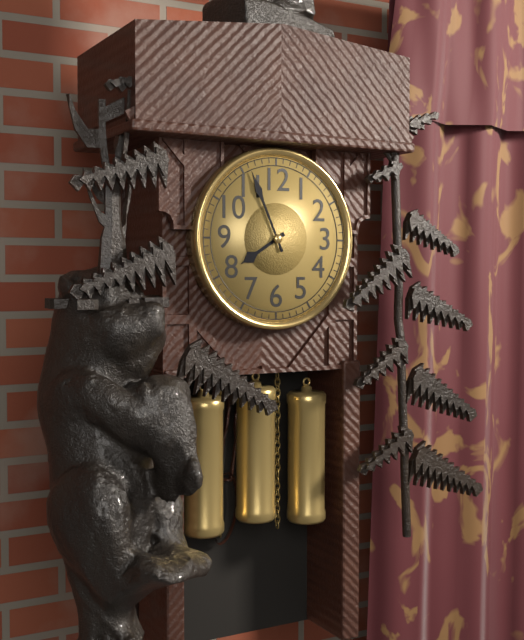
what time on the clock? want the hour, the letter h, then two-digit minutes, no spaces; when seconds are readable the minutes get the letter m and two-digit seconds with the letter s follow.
7h56
